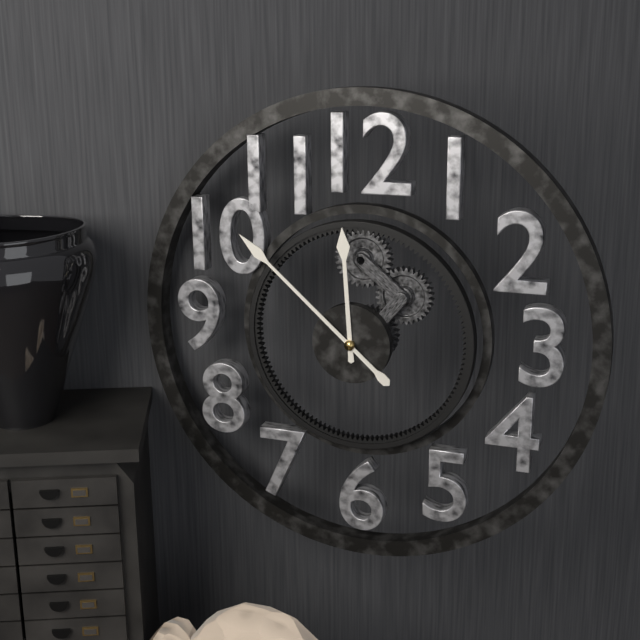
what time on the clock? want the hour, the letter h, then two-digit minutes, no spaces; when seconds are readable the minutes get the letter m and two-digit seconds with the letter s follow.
11h52
